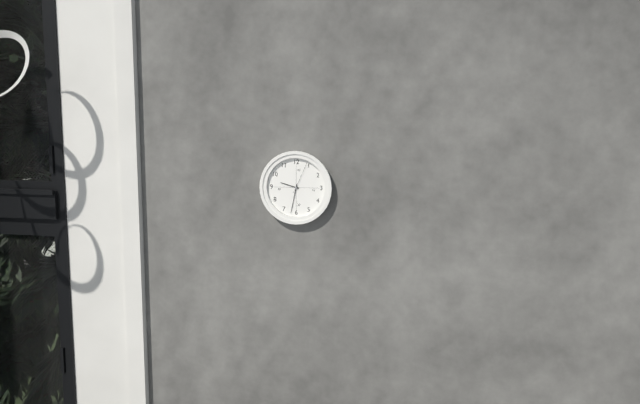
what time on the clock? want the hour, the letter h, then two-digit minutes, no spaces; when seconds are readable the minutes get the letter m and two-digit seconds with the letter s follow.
9h32
